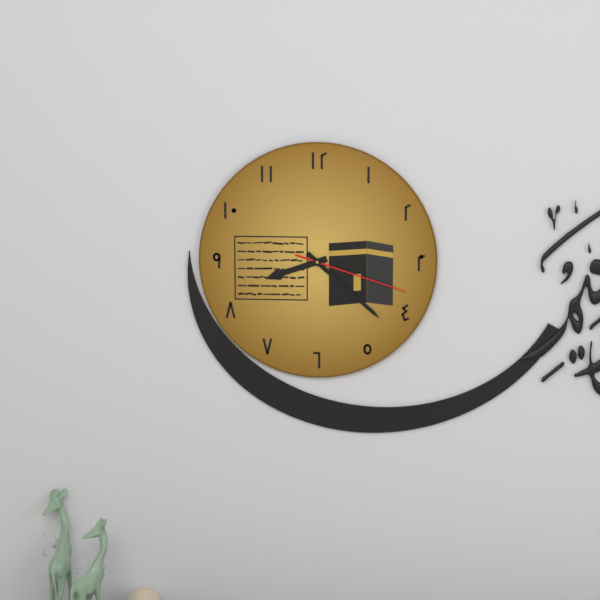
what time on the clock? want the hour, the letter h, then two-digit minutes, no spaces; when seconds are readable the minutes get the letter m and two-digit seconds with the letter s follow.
8h22m18s
